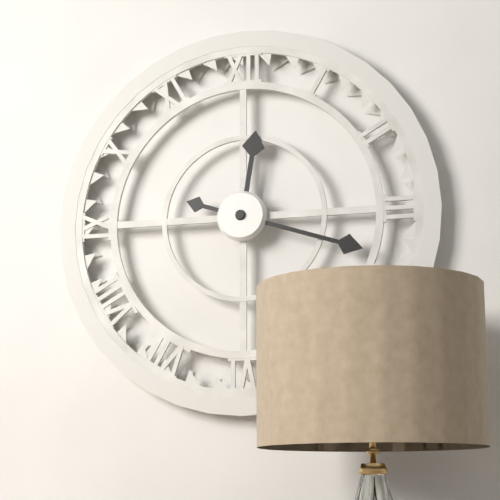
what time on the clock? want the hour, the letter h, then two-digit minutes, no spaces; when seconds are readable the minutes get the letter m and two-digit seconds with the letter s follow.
12h18
